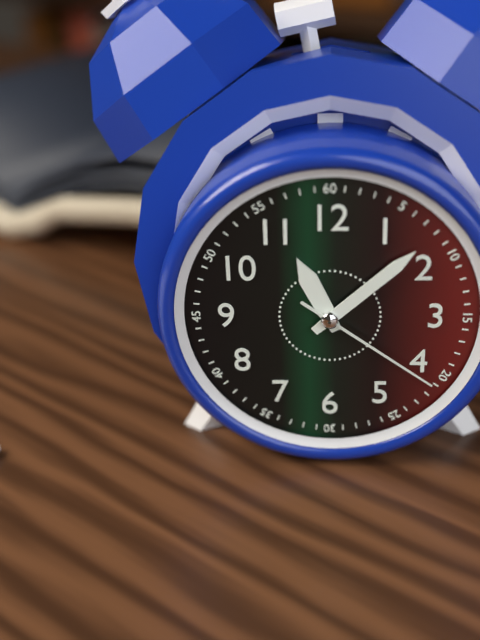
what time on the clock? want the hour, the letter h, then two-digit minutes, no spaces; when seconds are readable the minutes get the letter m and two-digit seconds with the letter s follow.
11h08m21s
